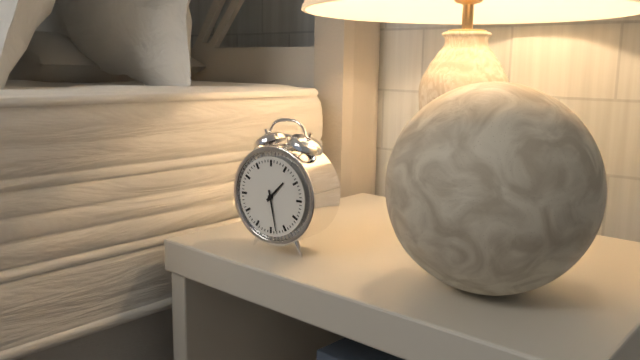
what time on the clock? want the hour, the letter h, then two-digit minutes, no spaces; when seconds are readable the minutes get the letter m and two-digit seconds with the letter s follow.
1h28
